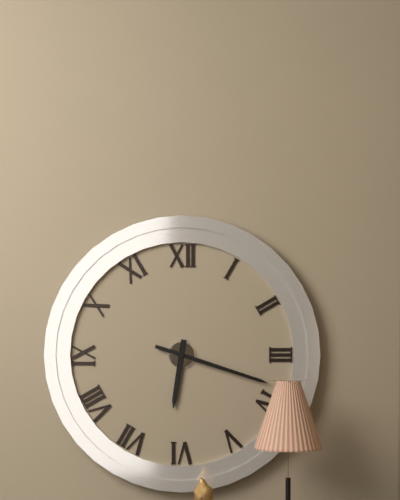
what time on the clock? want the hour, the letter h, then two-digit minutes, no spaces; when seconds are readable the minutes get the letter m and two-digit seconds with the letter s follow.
6h18
